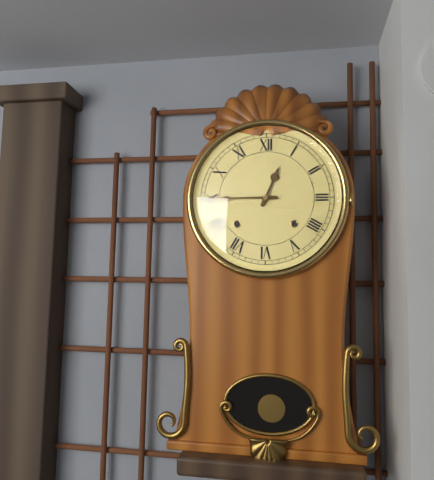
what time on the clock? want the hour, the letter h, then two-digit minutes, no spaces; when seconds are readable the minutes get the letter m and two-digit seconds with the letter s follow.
12h45
